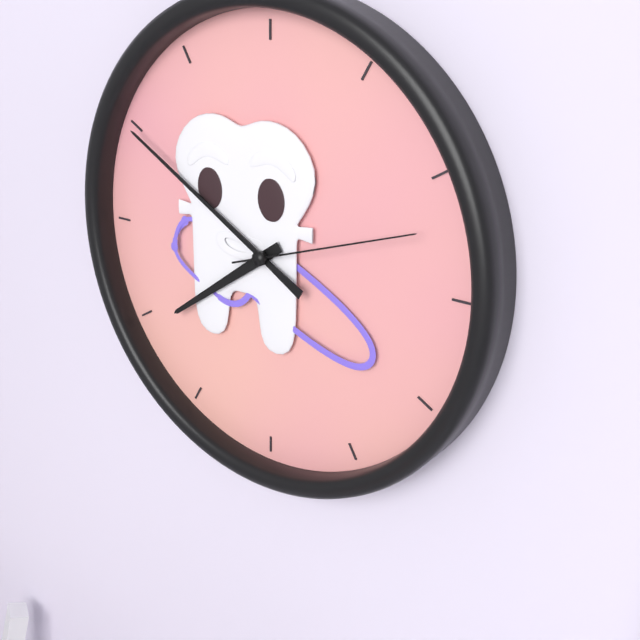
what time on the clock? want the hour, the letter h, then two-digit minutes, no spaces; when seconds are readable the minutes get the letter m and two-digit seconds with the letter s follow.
7h50m12s
